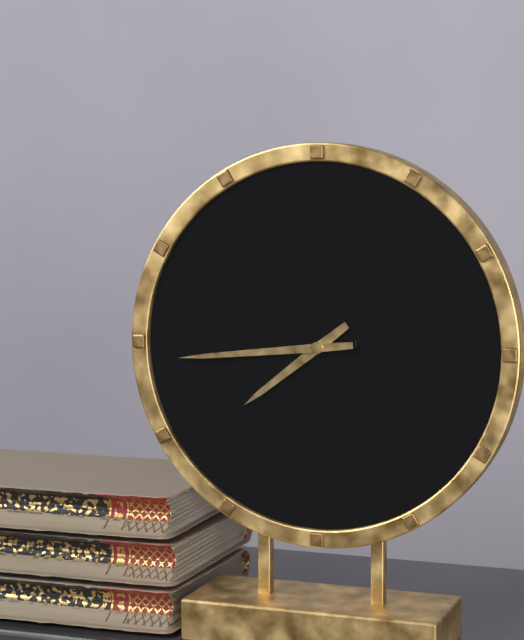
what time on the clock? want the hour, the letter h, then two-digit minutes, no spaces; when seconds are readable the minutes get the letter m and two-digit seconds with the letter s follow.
7h44
